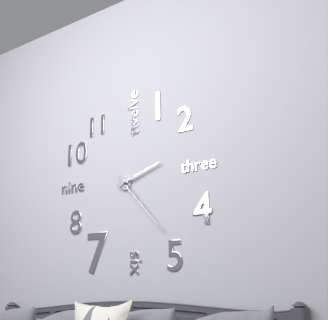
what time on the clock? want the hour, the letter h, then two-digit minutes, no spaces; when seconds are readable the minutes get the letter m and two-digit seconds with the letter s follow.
2h23
